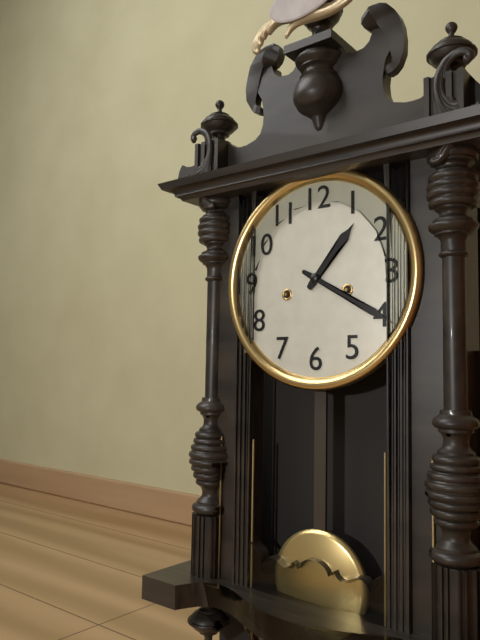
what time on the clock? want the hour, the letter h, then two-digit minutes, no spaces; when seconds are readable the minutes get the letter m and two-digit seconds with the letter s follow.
1h20
